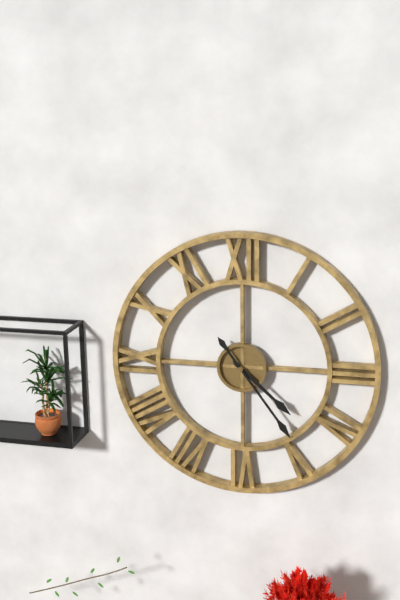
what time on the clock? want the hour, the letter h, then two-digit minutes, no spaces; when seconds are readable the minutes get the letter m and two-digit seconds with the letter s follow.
4h24
